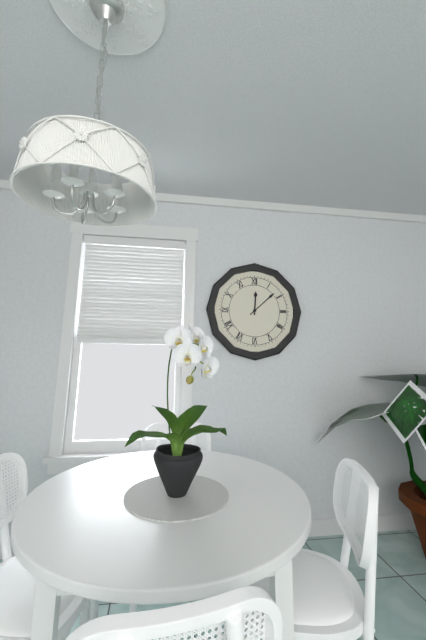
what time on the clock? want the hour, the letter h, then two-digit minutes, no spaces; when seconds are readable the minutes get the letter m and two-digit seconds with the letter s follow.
12h08
